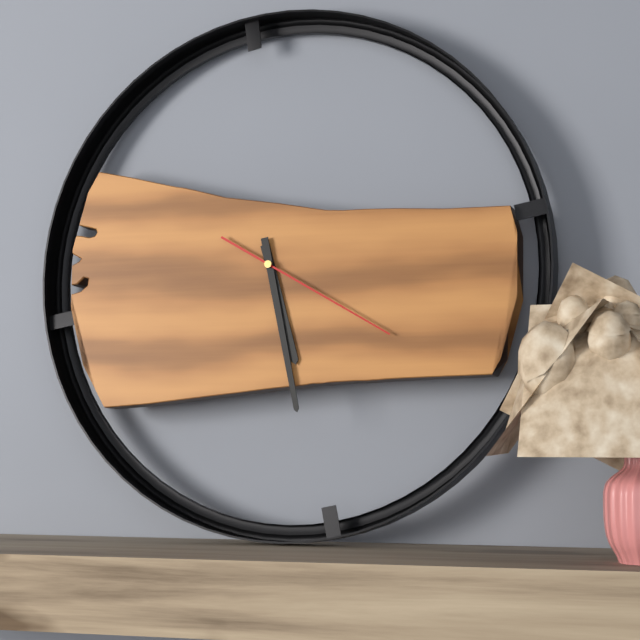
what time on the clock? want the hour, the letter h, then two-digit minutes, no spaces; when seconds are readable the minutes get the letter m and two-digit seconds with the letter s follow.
5h28m20s
